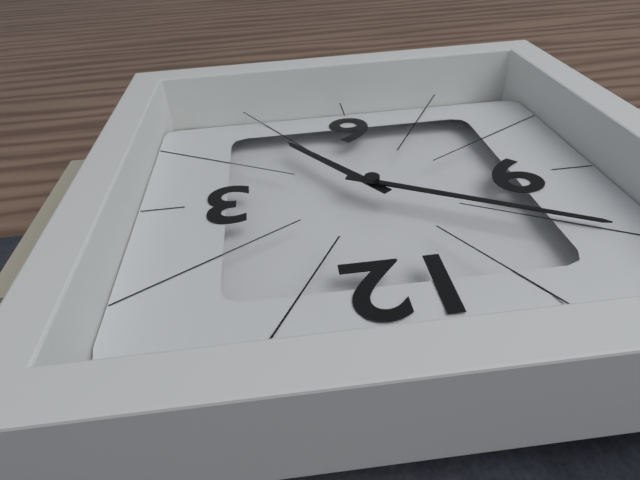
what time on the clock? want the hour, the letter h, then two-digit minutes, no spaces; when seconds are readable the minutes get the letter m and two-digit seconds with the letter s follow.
4h50
